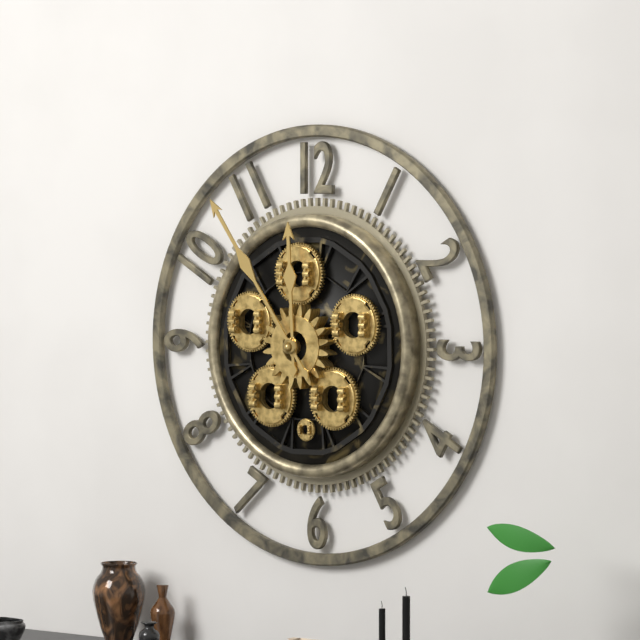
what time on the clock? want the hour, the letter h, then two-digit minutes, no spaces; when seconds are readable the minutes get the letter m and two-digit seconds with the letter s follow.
11h54
